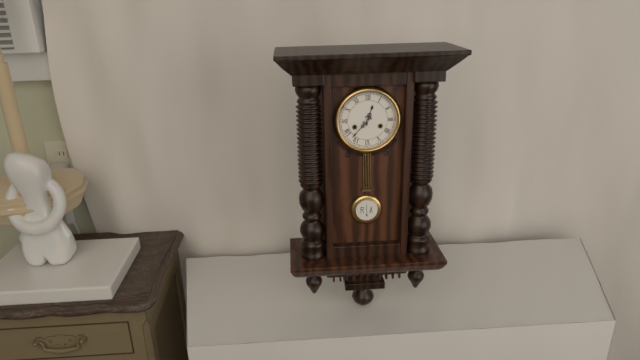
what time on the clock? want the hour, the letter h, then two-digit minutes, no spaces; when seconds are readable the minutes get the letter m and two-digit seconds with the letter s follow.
12h37
